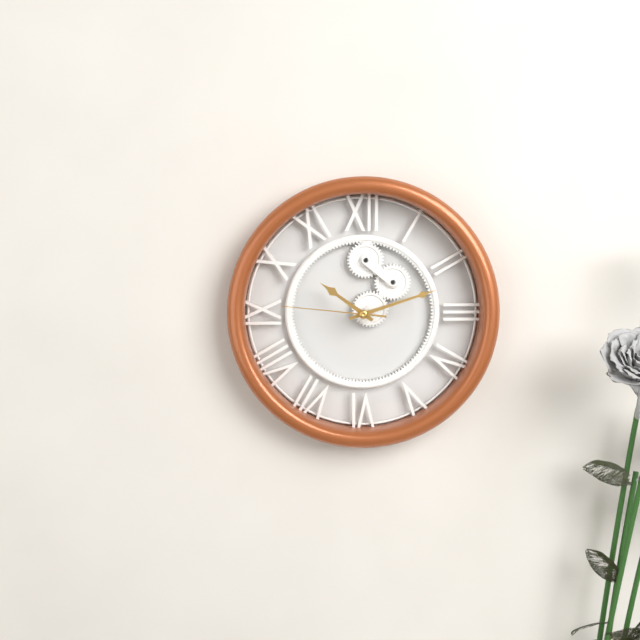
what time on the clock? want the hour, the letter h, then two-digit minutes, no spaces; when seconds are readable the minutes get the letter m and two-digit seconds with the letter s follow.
10h12m46s
